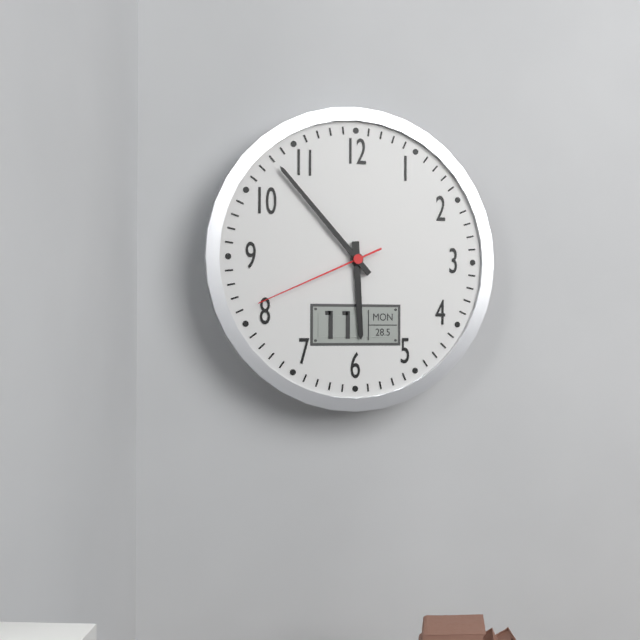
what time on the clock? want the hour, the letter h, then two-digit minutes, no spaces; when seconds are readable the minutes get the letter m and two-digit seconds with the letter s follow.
5h53m41s
